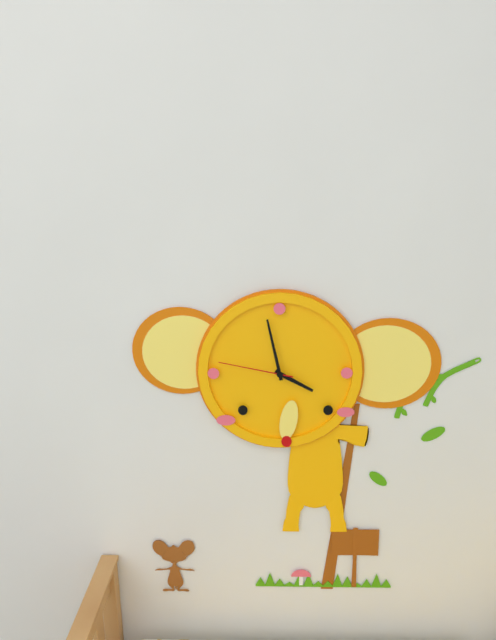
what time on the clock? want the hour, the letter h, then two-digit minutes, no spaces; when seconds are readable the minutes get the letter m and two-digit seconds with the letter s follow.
3h58m47s
